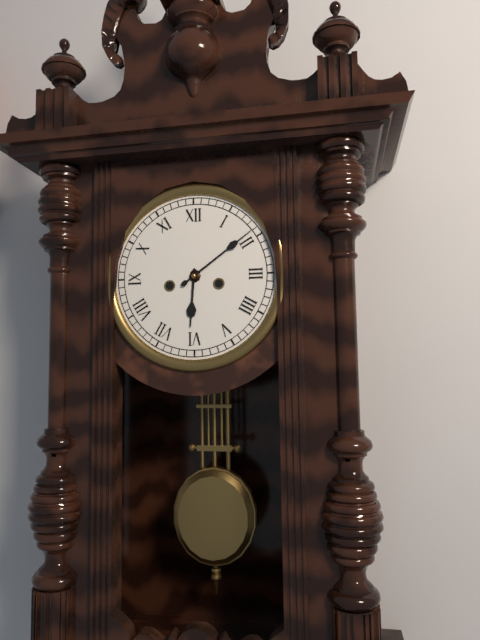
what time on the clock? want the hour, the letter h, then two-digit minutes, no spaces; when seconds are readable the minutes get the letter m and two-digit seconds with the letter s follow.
6h09
